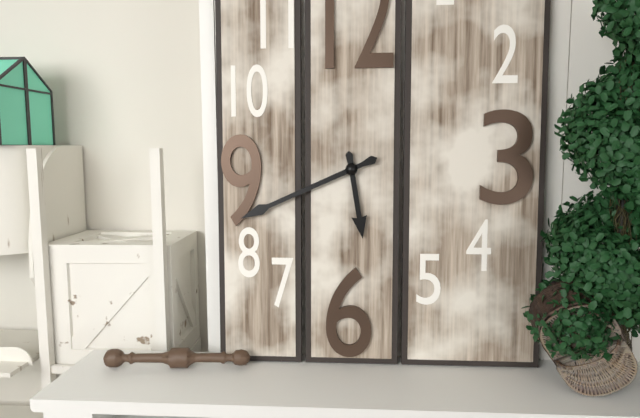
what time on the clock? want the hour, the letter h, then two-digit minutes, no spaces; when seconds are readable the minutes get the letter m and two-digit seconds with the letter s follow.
5h41
